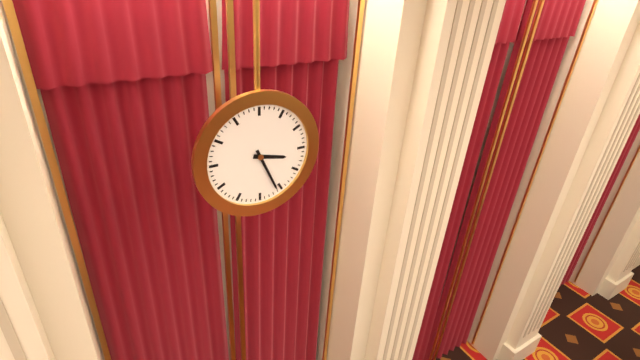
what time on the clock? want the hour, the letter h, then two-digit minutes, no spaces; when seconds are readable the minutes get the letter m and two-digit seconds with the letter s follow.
3h26
